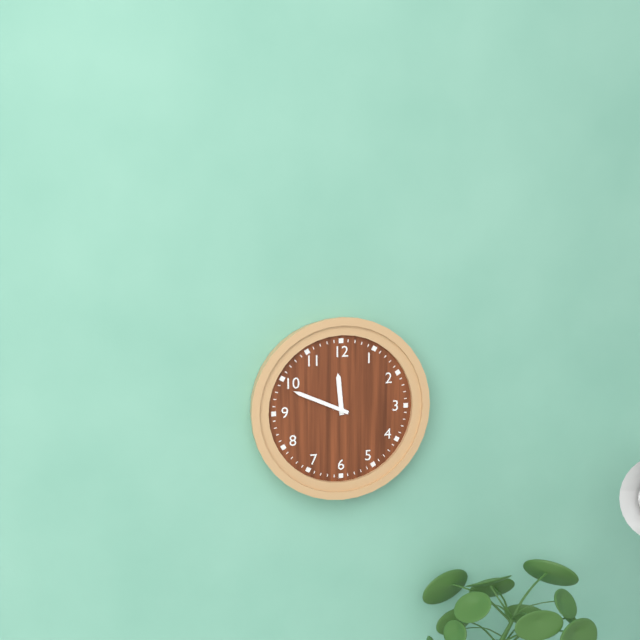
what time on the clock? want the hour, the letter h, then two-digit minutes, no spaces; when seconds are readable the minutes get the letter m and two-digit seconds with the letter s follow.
11h49
